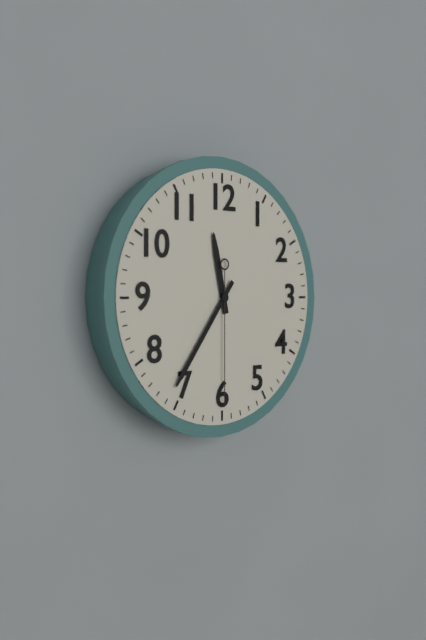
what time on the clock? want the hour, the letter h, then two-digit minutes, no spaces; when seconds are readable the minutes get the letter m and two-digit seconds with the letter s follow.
11h36m30s
